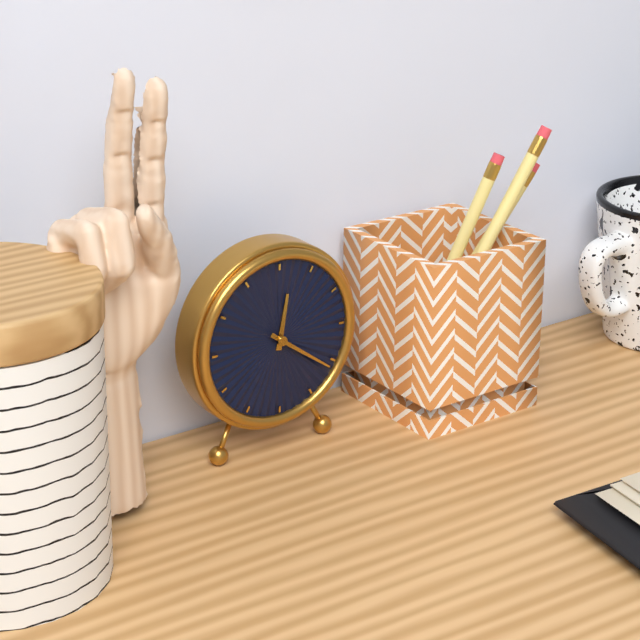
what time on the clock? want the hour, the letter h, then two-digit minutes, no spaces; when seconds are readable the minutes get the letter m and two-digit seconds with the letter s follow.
12h21
